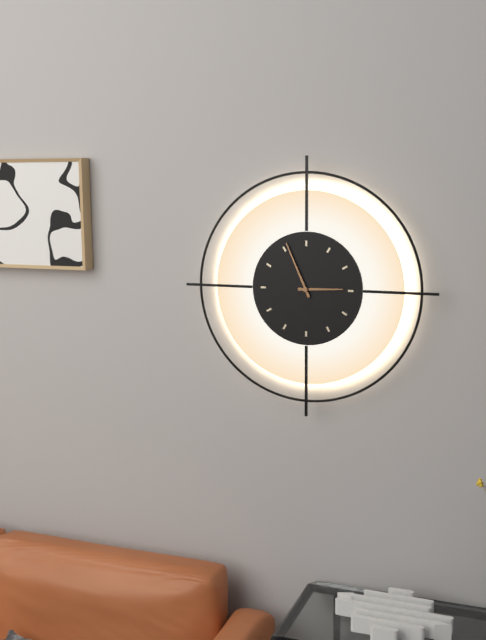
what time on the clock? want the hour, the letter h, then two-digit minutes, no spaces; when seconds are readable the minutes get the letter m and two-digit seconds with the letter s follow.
2h56
